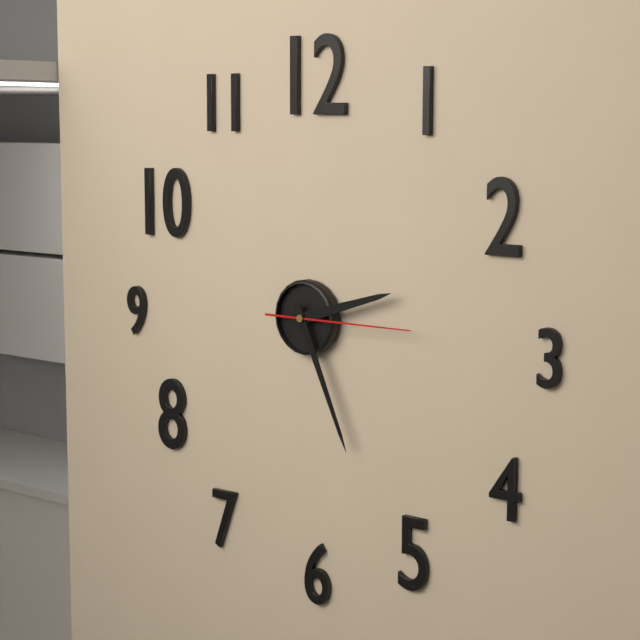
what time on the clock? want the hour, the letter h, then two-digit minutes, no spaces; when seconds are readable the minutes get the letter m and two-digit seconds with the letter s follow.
2h26m15s
